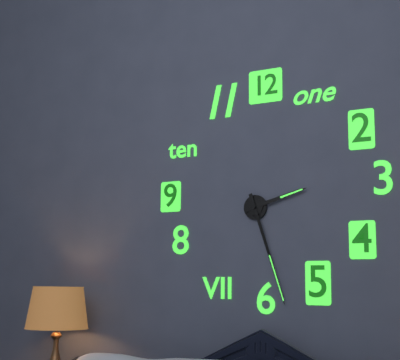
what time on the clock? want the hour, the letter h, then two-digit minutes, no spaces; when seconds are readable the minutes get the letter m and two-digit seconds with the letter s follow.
2h27
